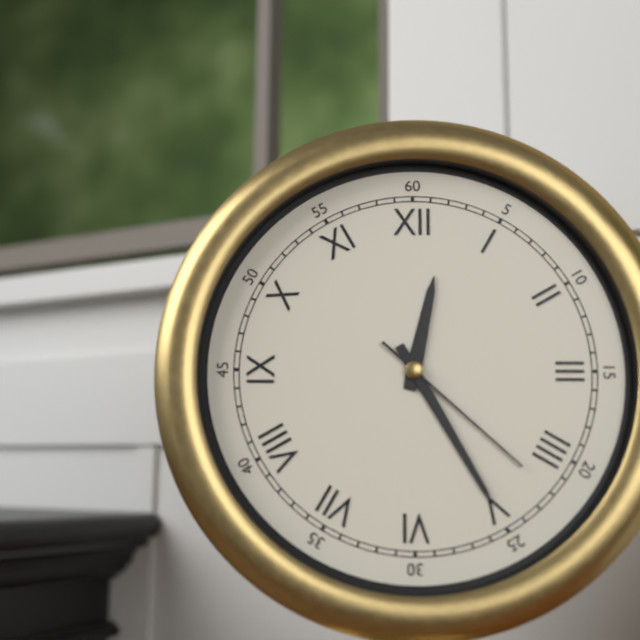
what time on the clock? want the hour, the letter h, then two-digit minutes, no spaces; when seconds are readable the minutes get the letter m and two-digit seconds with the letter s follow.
12h25m22s
